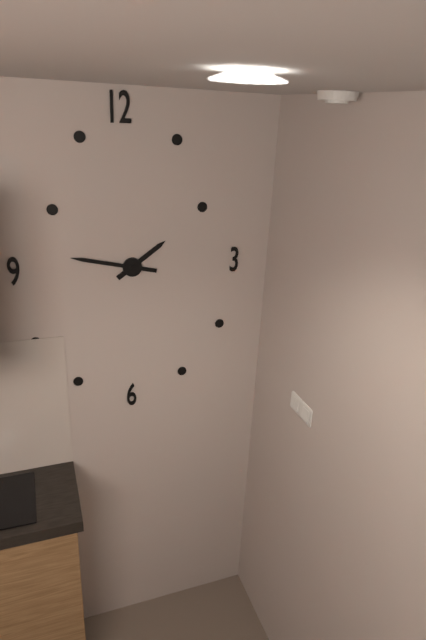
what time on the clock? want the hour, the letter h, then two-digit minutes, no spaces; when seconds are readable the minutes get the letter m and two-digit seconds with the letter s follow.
1h47
